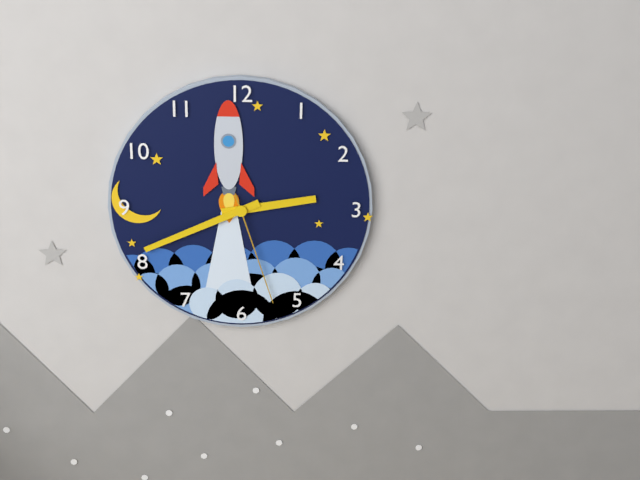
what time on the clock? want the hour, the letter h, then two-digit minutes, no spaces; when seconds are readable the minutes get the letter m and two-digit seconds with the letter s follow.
2h41m27s
